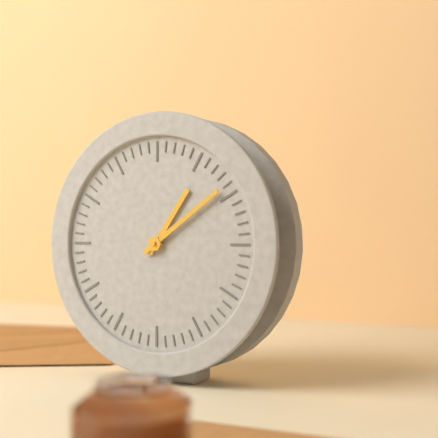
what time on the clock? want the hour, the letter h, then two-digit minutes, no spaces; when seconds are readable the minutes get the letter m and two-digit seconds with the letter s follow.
1h09
